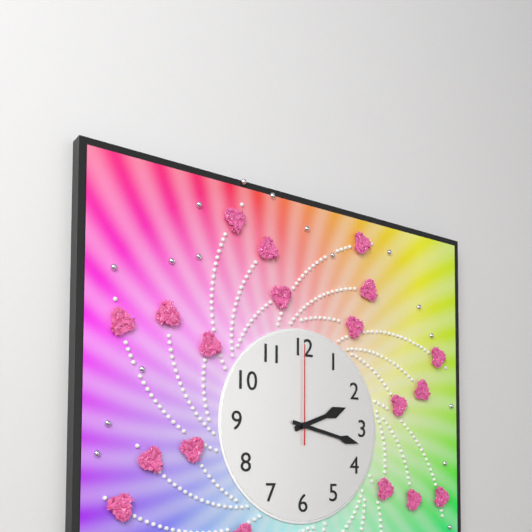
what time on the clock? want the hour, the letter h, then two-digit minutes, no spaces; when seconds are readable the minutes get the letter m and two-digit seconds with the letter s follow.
2h17m00s
